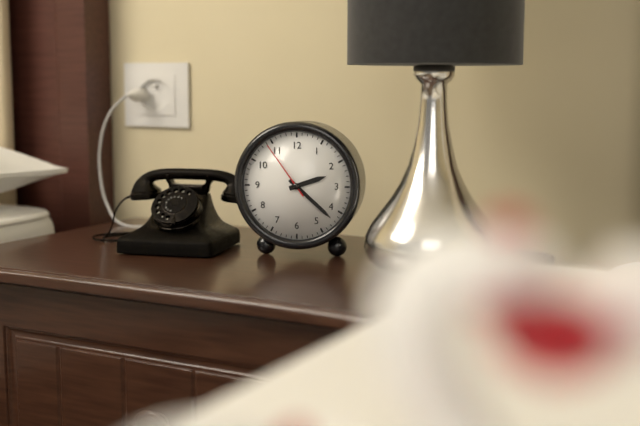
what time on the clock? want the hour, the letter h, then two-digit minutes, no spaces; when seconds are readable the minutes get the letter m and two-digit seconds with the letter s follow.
2h22m54s
